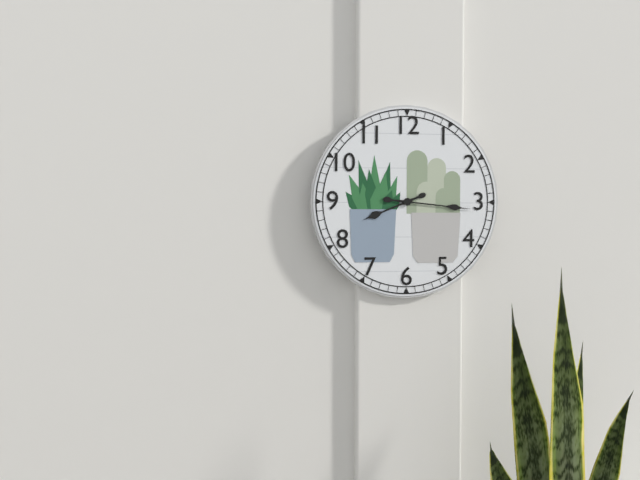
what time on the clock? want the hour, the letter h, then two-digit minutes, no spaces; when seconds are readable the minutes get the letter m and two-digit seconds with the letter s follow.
8h16
